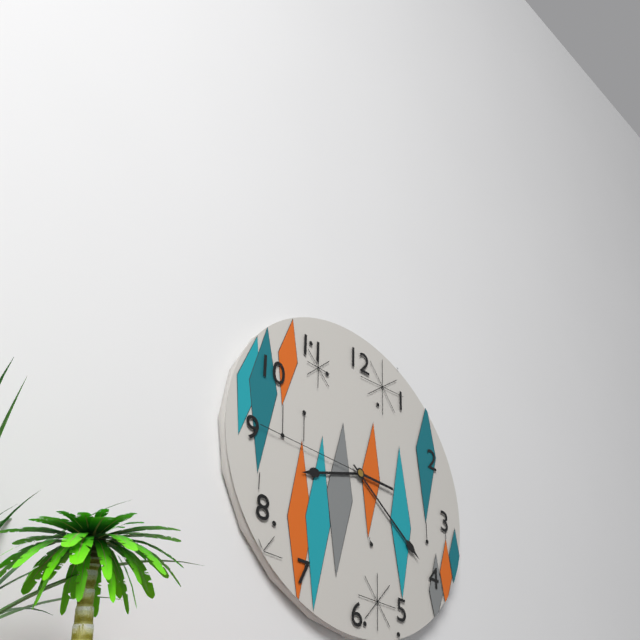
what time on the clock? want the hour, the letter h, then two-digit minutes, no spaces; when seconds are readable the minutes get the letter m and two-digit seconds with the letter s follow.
8h21m45s
